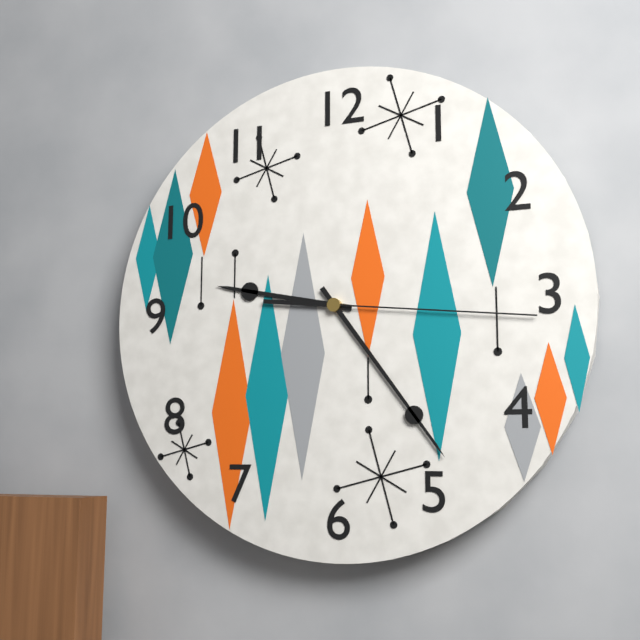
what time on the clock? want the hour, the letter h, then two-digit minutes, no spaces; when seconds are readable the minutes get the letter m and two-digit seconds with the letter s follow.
9h24m16s
